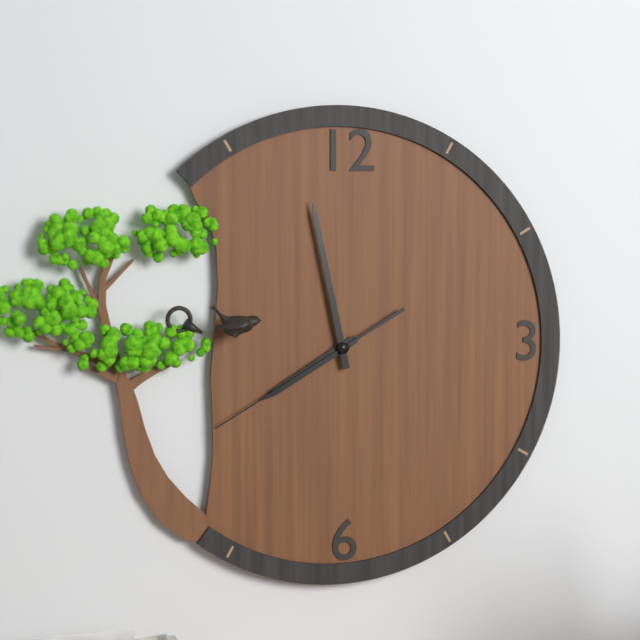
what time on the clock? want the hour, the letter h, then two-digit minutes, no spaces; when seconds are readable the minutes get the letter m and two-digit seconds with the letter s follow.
7h58m40s
